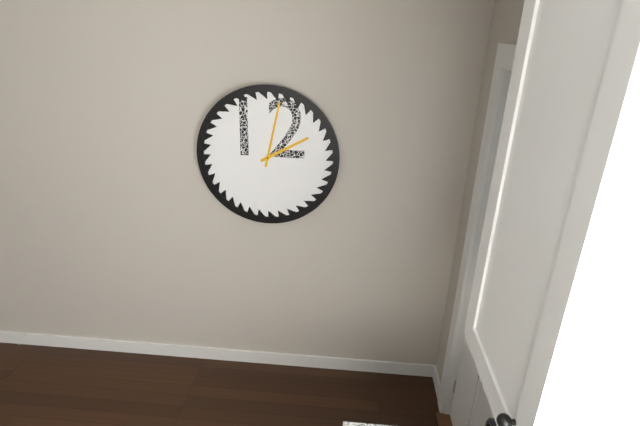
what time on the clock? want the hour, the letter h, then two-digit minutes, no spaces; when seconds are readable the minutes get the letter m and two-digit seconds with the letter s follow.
2h02
